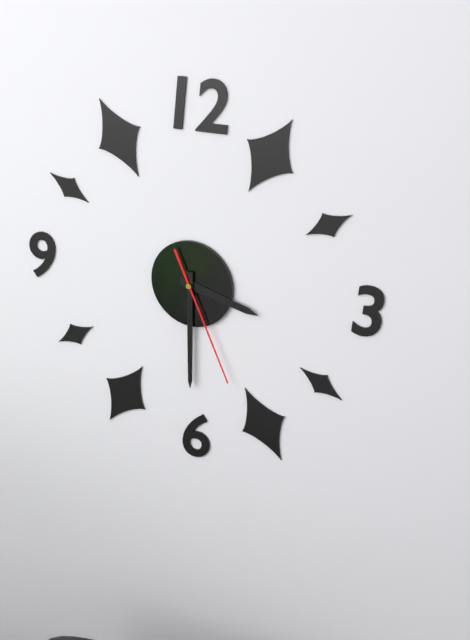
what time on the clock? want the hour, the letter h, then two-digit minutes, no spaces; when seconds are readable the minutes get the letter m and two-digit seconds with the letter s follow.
3h30m26s
